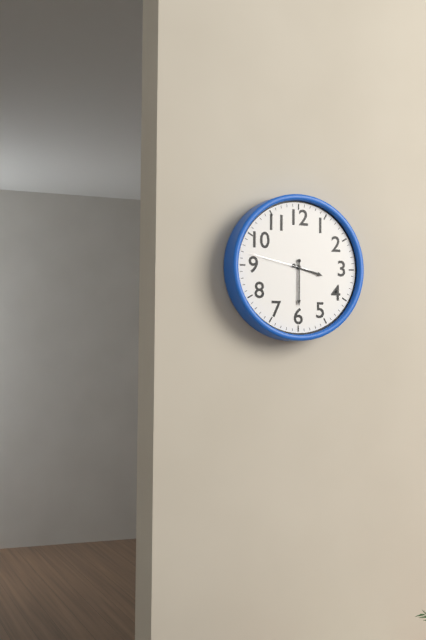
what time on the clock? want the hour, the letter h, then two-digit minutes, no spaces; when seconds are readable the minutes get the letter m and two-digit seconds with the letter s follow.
3h30m47s
